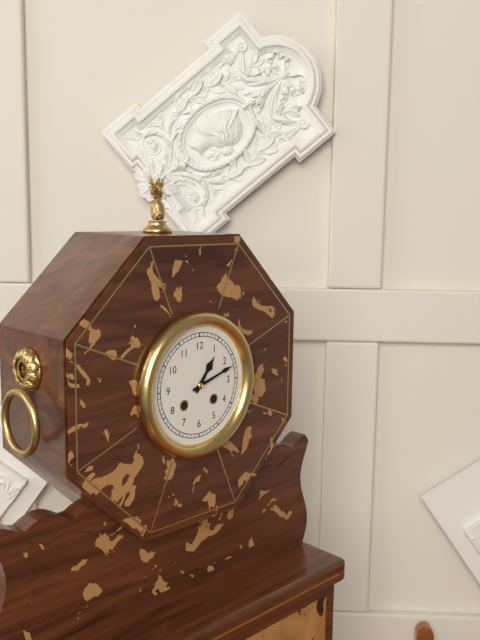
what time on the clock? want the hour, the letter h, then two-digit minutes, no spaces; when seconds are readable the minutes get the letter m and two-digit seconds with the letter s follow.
1h12
